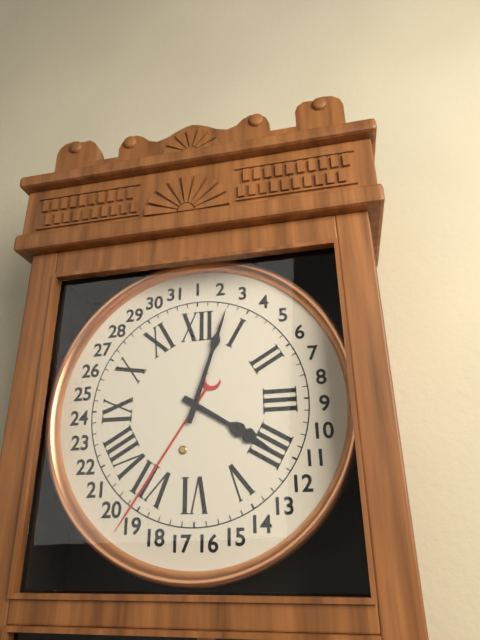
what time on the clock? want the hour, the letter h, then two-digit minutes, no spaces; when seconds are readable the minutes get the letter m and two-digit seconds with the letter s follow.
4h03
